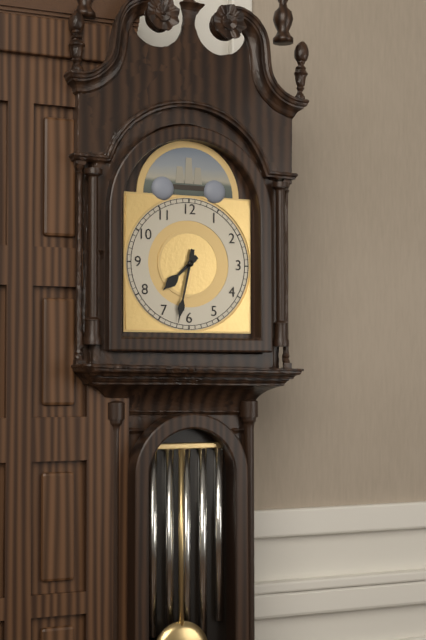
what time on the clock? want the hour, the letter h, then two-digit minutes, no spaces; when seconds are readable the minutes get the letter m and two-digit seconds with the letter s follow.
7h32
